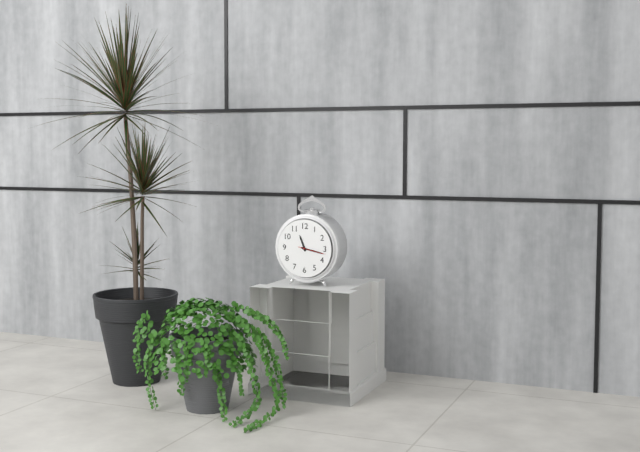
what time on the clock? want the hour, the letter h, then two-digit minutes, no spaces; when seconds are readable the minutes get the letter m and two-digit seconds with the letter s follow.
11h17
